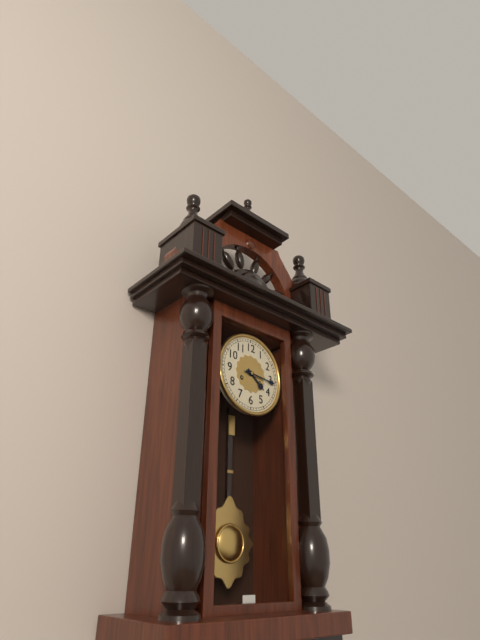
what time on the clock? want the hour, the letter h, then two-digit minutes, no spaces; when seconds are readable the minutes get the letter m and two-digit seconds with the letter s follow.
4h16
